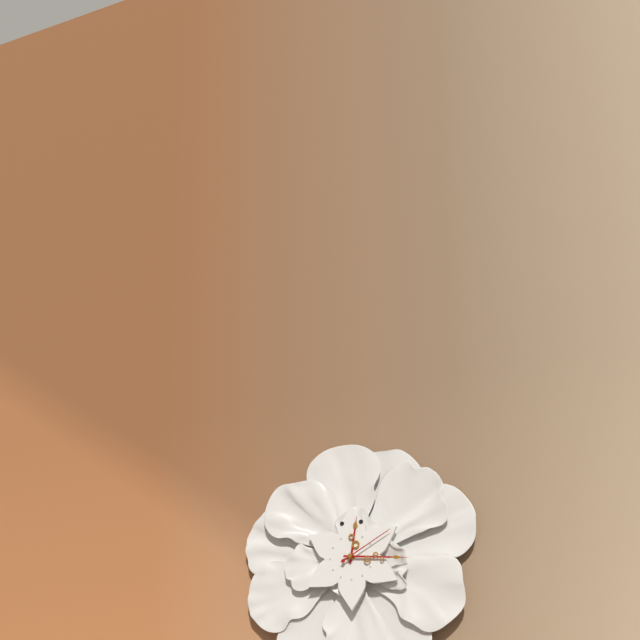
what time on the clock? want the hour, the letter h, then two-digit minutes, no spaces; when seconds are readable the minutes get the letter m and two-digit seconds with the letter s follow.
12h16m10s
